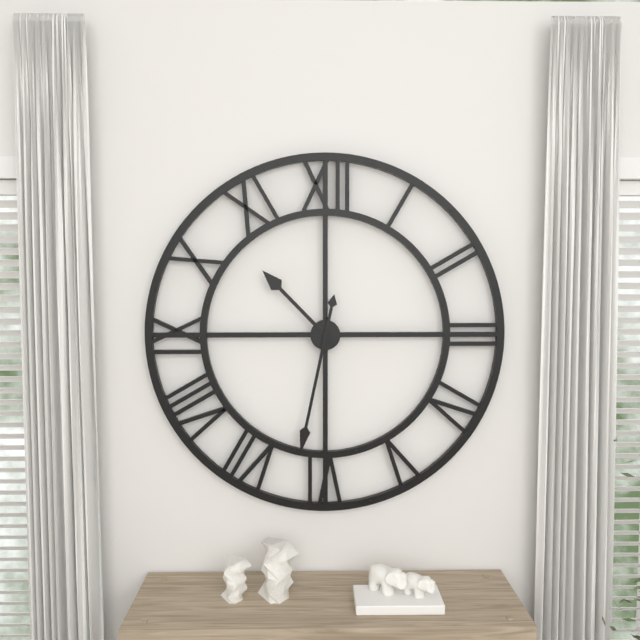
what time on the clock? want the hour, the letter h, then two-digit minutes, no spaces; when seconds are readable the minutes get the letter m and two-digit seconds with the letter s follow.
10h32
